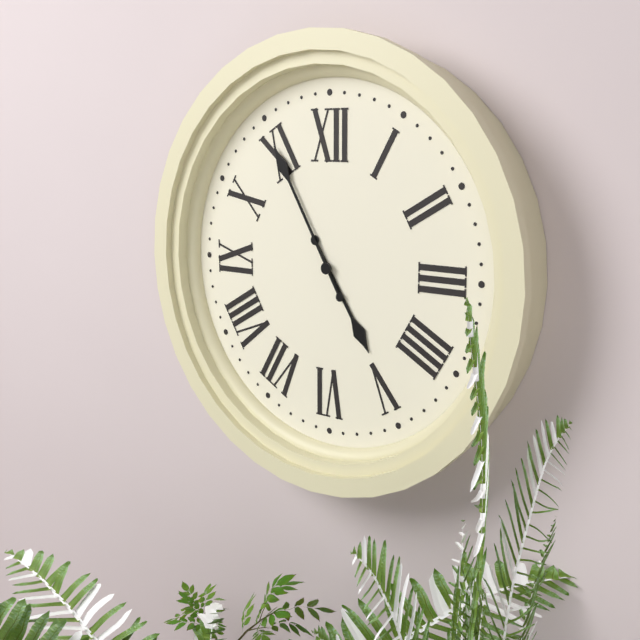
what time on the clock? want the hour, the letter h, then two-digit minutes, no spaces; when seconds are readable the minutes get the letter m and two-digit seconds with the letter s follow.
4h55
